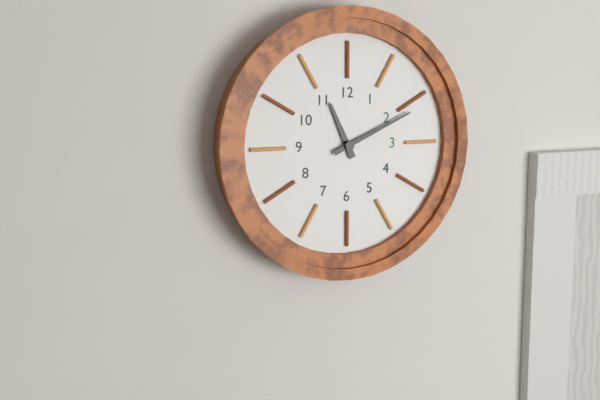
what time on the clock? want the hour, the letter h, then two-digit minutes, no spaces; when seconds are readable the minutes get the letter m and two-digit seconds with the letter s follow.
11h11
